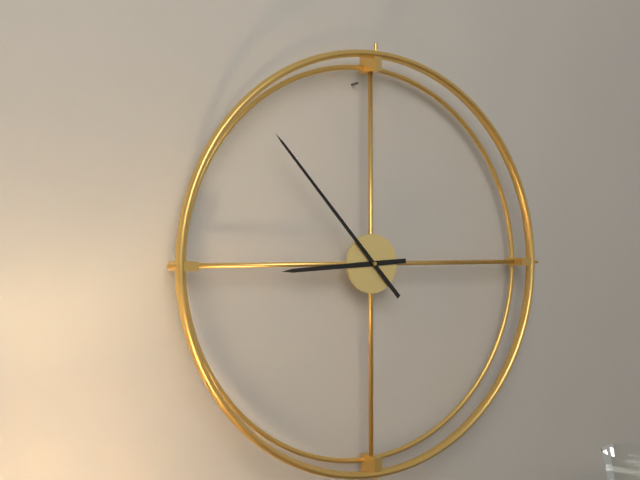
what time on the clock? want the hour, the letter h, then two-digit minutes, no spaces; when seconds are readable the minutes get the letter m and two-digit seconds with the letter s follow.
8h53
